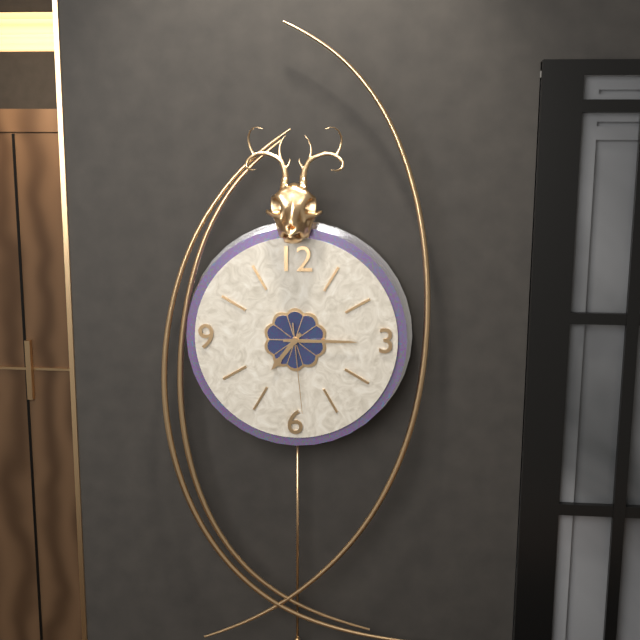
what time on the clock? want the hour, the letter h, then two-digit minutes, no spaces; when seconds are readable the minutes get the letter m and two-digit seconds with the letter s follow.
7h15m29s
